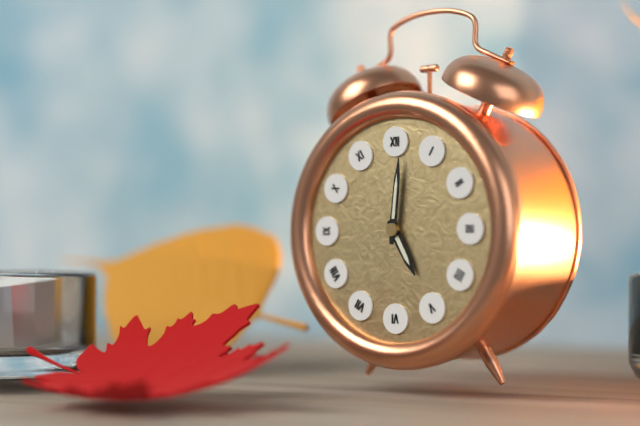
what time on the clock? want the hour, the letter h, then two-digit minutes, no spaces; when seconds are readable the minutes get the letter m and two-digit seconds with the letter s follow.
5h01
